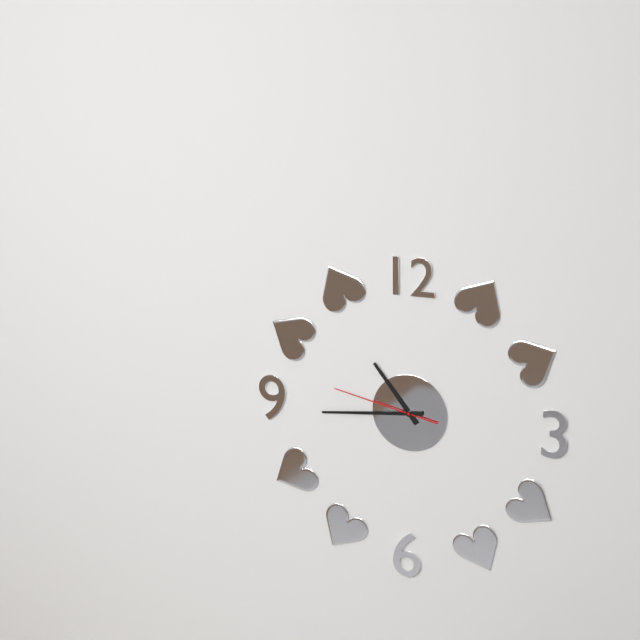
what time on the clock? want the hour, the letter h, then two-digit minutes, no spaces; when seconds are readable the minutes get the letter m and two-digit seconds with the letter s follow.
10h44m47s
